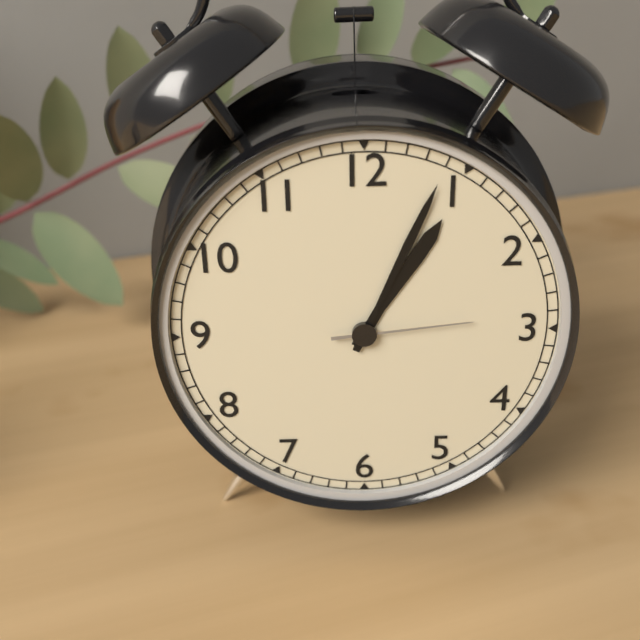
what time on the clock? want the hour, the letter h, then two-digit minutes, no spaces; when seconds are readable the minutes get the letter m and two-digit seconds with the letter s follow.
1h04m14s
